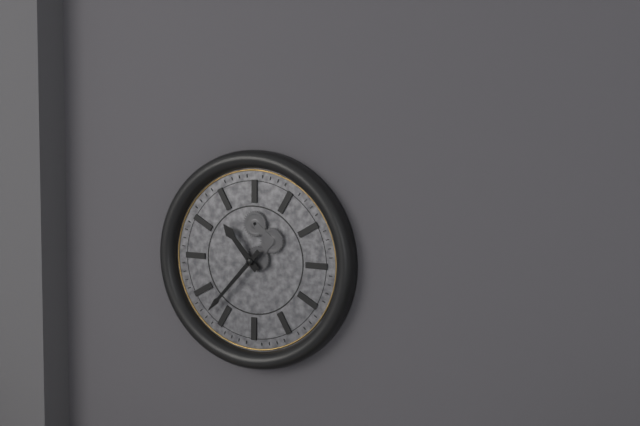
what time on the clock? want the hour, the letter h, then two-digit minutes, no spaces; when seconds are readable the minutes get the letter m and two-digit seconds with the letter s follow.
10h37
